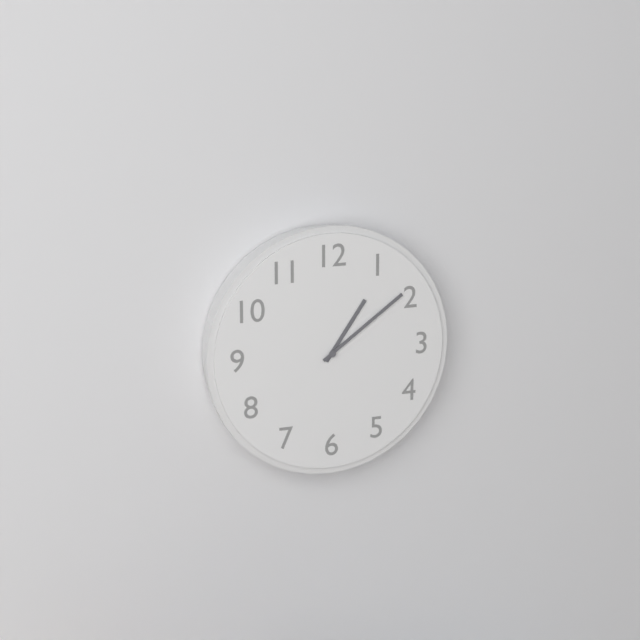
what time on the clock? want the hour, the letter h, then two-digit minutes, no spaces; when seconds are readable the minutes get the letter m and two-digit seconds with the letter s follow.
1h09
